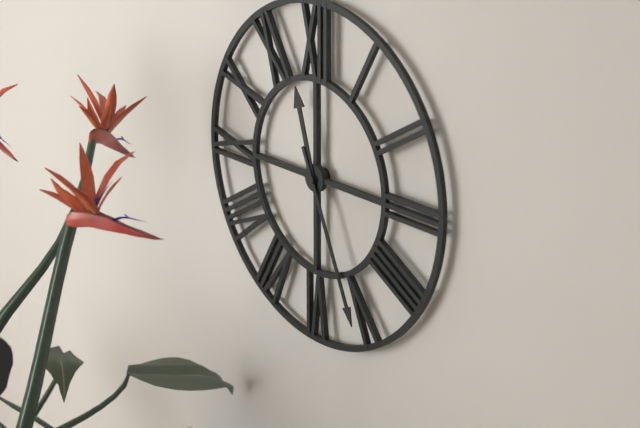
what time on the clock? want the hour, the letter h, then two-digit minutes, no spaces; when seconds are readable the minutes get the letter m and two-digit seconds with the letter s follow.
11h26
